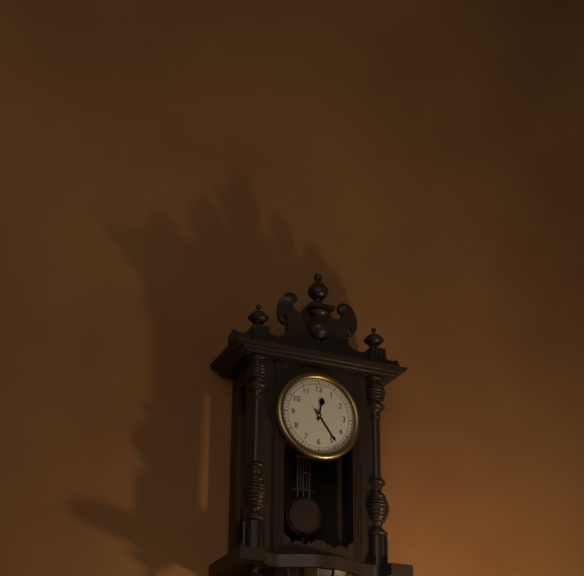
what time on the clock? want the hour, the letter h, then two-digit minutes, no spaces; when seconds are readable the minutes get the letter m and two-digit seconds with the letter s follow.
12h24
